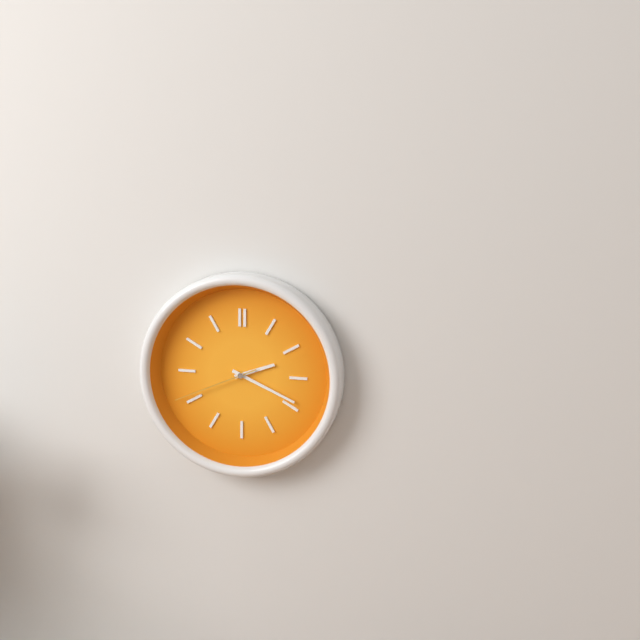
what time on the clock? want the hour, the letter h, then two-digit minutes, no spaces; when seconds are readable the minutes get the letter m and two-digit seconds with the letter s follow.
2h19m41s
